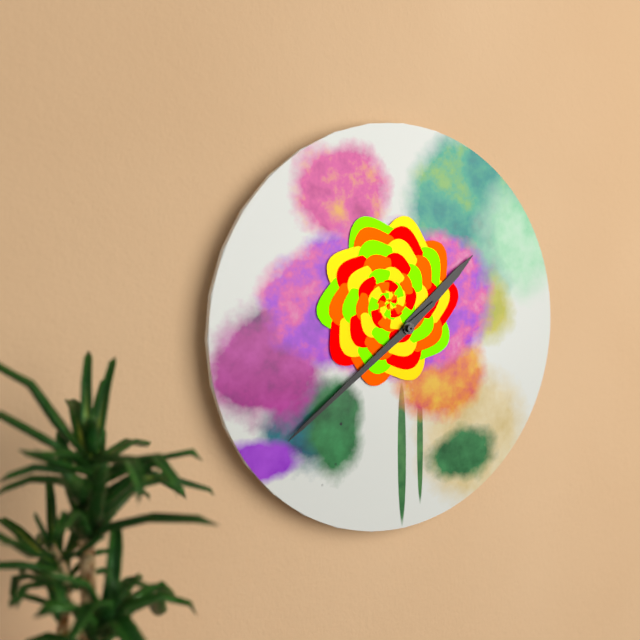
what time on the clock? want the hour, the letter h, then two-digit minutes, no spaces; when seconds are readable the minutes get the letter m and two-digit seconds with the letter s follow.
1h39
